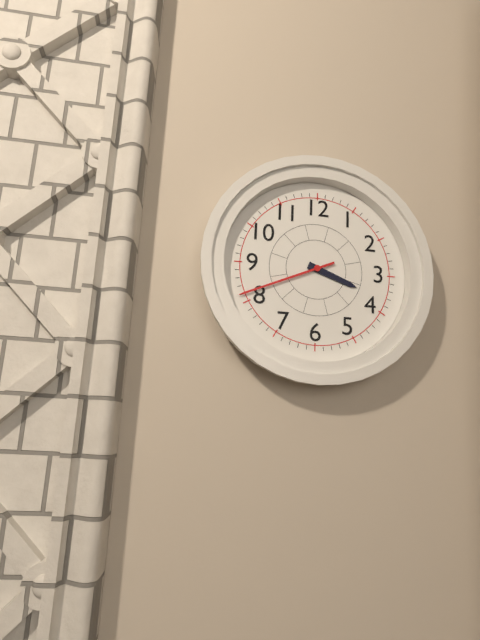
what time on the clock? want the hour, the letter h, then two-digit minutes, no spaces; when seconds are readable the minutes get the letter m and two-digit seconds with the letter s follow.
3h41
